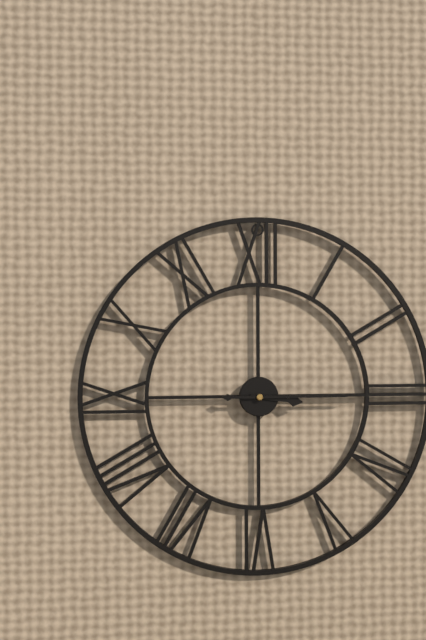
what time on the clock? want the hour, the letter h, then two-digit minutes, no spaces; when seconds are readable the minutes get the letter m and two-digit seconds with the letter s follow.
3h15
